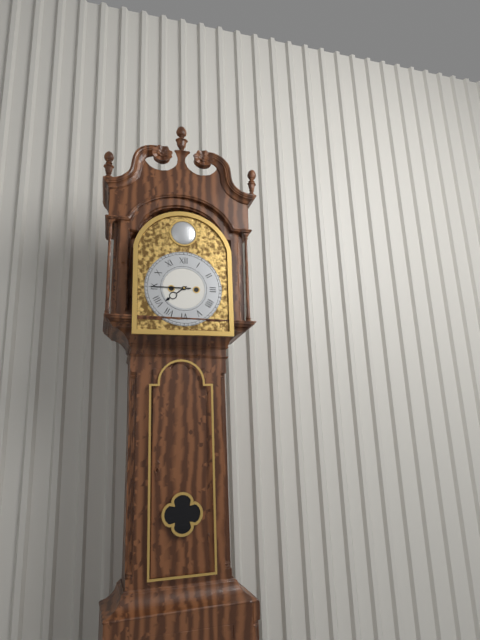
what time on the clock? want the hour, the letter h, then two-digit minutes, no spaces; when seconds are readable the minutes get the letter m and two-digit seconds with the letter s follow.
7h45
